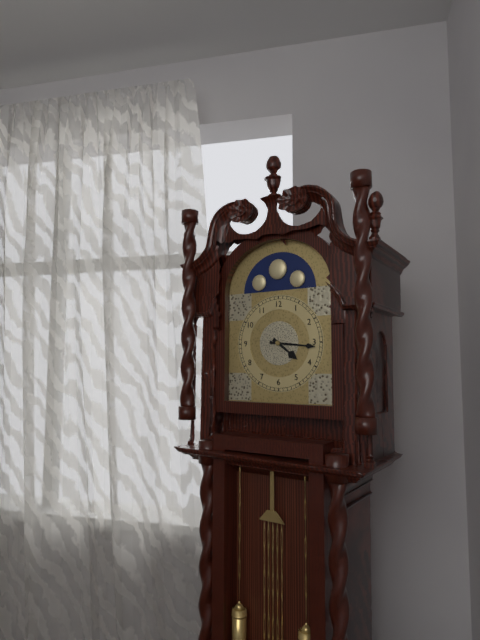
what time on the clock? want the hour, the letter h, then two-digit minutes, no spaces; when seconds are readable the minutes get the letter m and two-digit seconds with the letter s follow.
4h16
